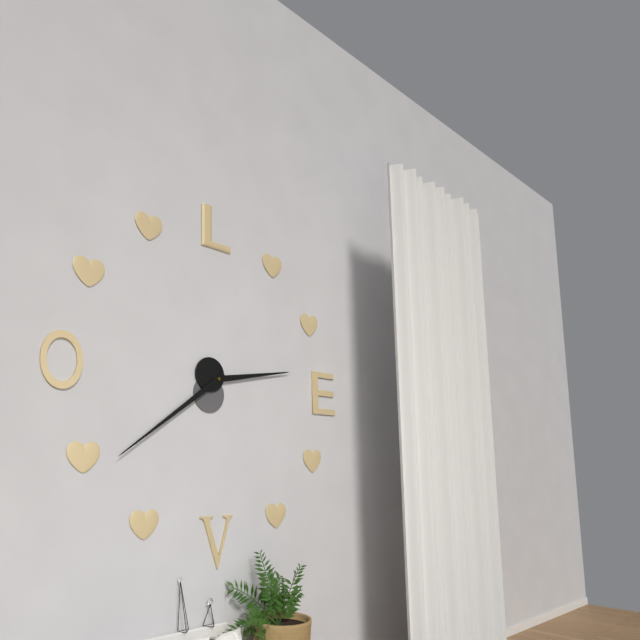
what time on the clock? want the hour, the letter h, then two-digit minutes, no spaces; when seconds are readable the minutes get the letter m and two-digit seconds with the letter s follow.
2h39
